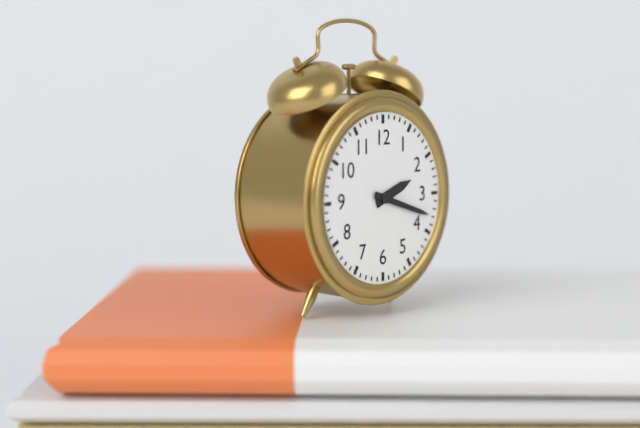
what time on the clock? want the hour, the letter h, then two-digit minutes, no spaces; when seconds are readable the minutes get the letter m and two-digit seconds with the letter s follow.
2h18
